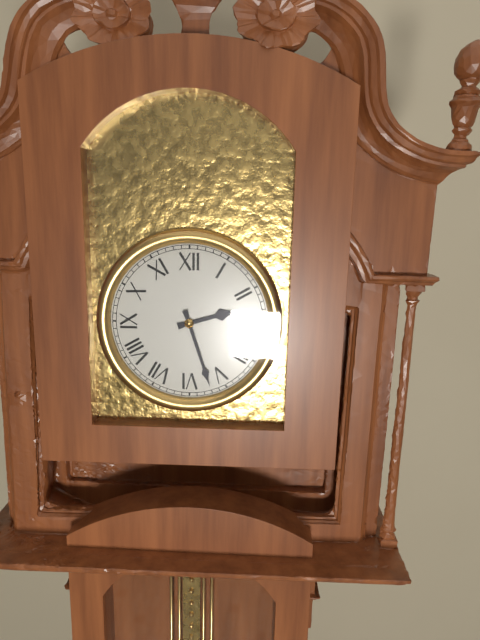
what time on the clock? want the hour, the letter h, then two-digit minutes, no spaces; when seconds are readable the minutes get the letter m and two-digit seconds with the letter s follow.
2h27
